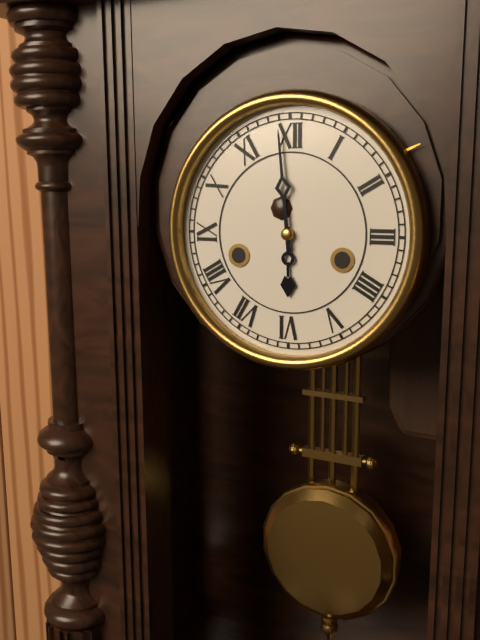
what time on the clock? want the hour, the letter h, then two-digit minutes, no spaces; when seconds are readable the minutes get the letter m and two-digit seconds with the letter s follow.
5h59
